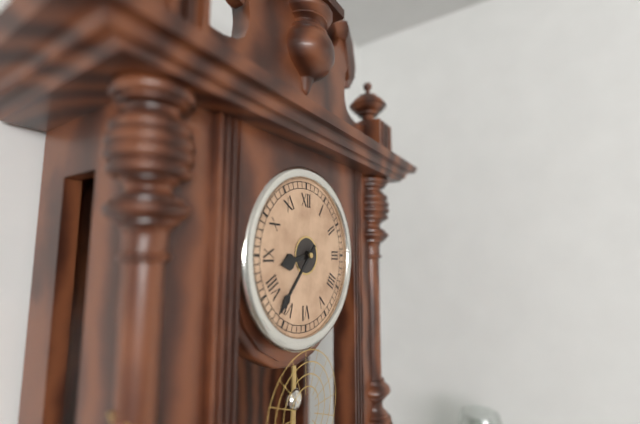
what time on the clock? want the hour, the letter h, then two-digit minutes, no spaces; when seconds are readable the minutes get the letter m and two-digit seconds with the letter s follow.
8h37
